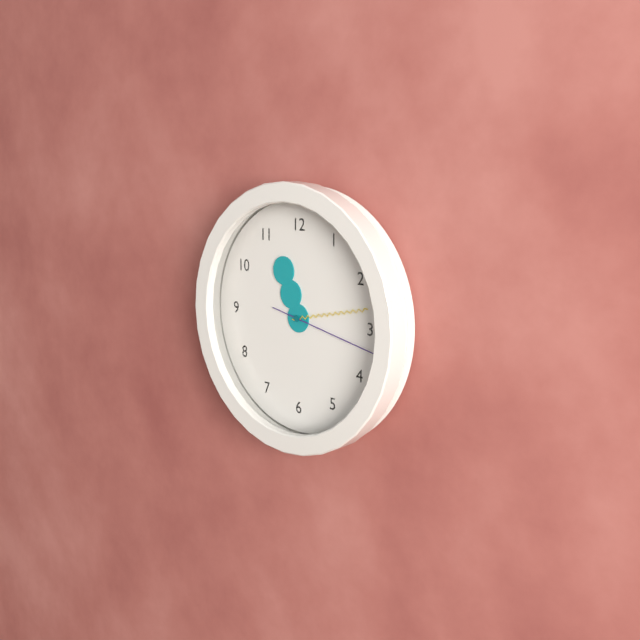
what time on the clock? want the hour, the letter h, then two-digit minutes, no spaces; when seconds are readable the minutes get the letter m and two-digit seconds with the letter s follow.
11h13m17s
